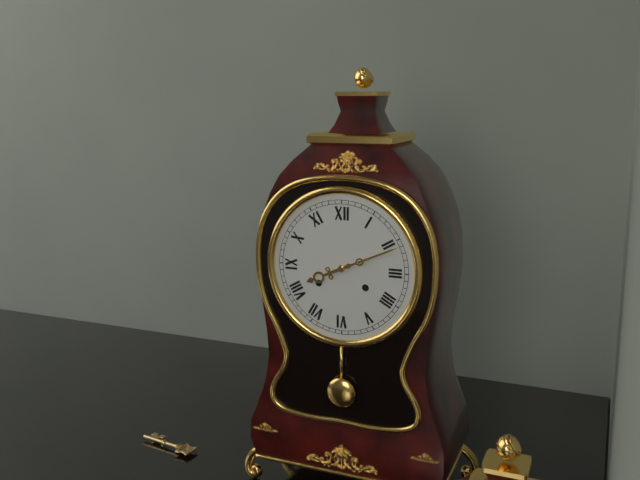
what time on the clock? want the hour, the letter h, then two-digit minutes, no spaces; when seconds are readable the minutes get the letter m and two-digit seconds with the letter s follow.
8h11
